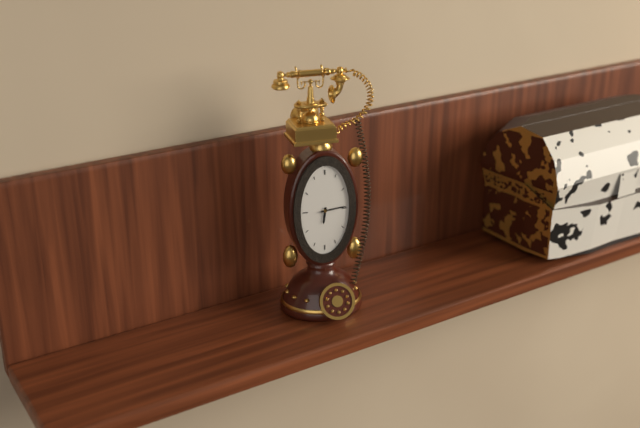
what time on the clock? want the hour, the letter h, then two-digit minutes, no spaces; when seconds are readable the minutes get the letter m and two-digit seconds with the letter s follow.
6h14
